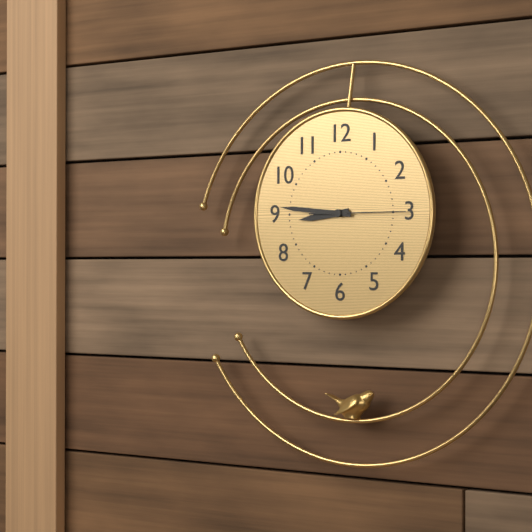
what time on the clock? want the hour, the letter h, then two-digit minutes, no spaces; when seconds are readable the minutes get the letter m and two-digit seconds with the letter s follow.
8h46m15s
